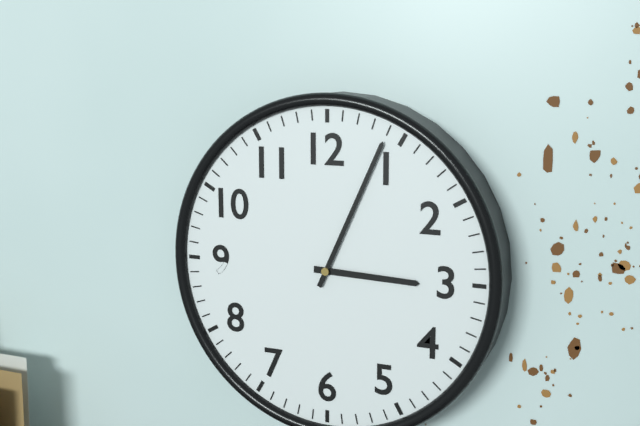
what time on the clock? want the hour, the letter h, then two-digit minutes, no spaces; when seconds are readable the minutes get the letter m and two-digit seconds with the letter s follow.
3h04
